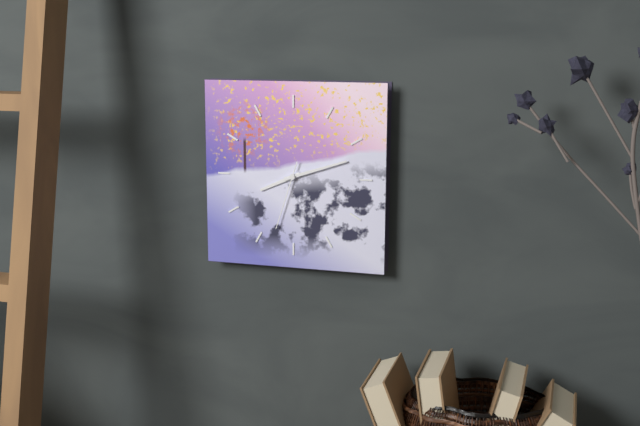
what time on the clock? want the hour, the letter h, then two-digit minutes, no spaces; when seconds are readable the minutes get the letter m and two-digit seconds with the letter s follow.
8h12m33s
